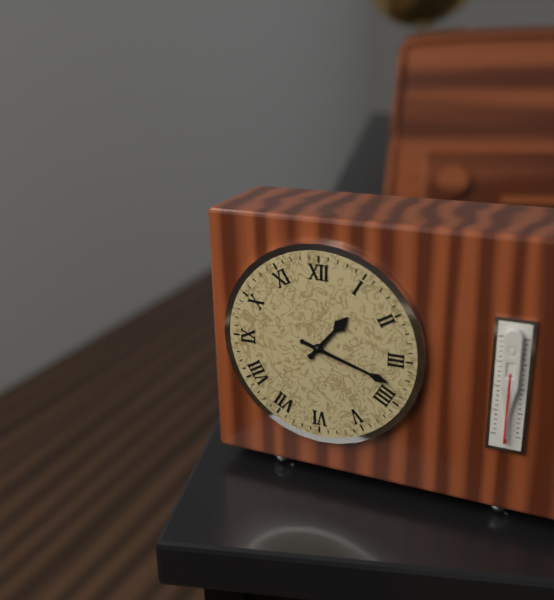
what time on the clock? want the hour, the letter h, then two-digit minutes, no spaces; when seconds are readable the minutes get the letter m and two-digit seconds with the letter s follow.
1h18
